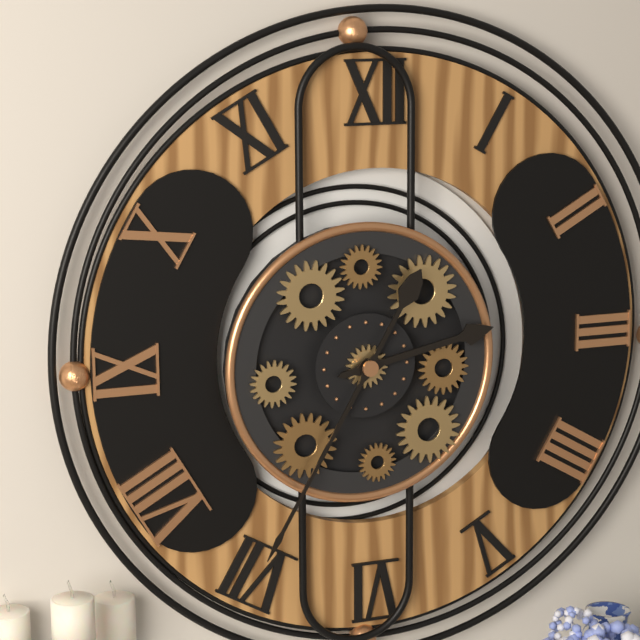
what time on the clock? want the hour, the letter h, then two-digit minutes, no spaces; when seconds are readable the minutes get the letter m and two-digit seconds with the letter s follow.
2h35
